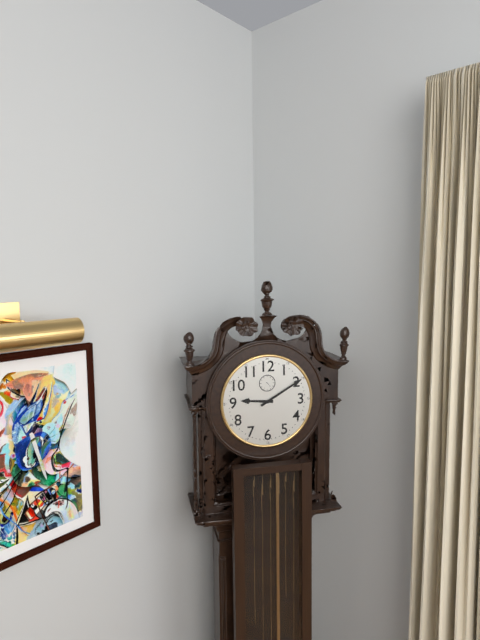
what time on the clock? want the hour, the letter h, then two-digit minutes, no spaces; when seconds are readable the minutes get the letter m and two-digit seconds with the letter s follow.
9h10
